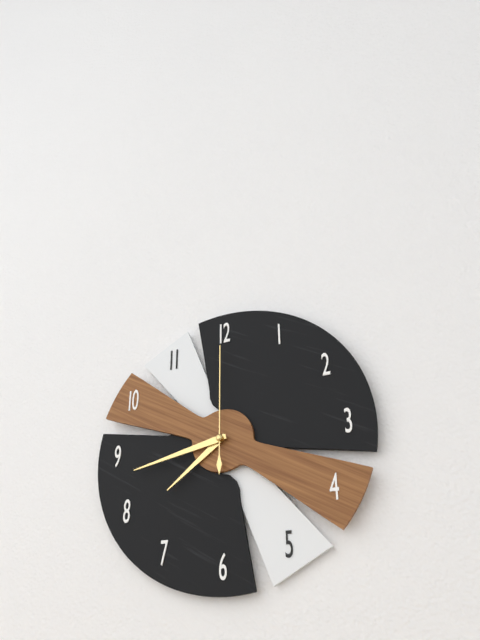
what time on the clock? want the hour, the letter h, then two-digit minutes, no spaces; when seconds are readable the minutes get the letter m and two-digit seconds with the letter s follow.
7h43m00s
